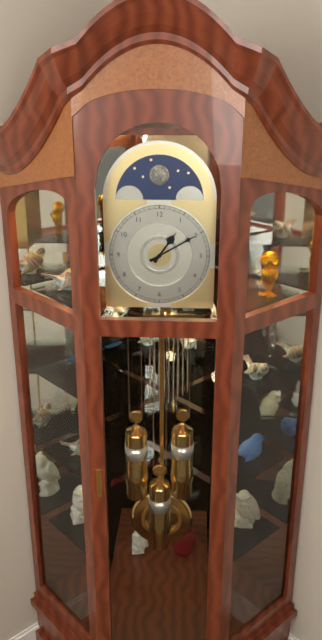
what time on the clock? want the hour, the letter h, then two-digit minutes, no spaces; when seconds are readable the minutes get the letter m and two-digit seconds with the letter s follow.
1h10
